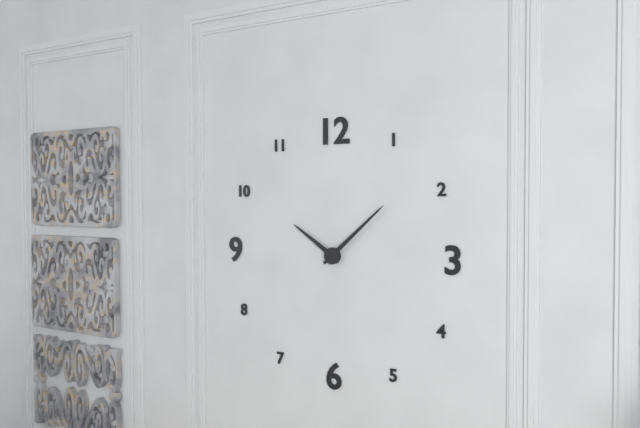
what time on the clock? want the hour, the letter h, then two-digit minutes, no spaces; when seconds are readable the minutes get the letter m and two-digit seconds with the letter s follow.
10h08
